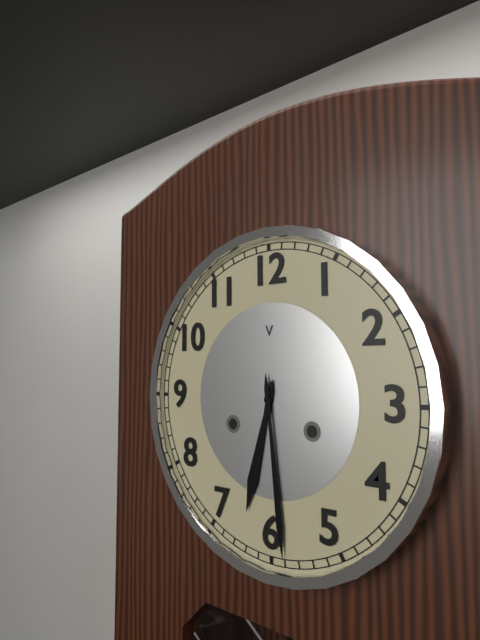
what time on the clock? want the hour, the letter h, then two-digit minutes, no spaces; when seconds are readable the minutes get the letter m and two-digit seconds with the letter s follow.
6h29
